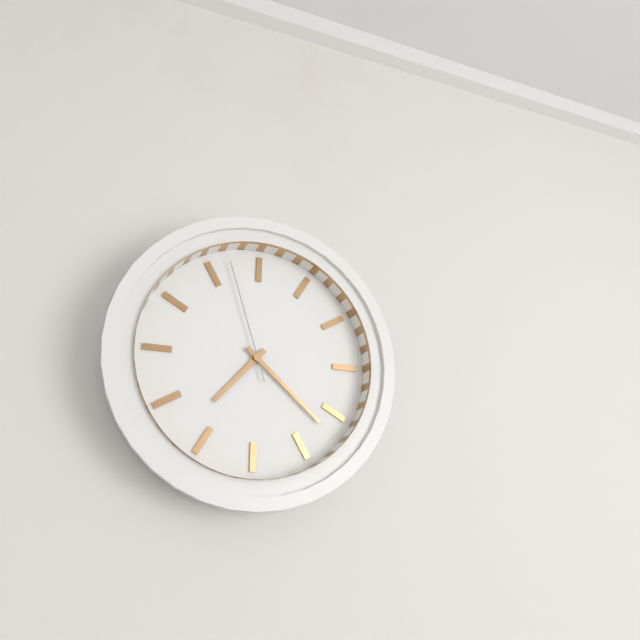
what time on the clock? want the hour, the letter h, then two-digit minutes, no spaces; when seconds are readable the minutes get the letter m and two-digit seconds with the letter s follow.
7h22m57s
